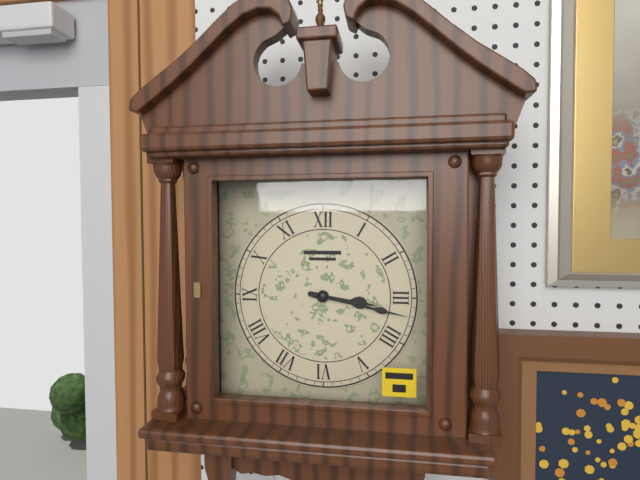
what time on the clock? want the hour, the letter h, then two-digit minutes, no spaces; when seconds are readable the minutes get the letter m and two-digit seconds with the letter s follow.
3h17
